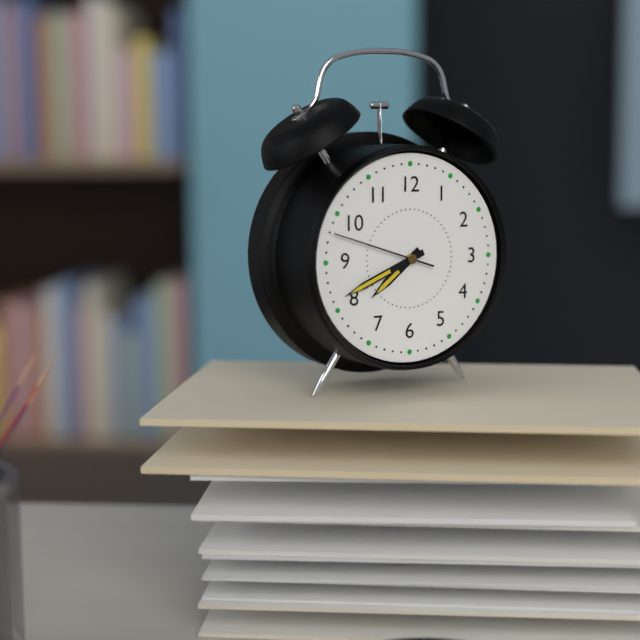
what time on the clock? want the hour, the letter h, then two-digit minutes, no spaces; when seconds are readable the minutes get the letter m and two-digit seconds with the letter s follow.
7h41m48s
